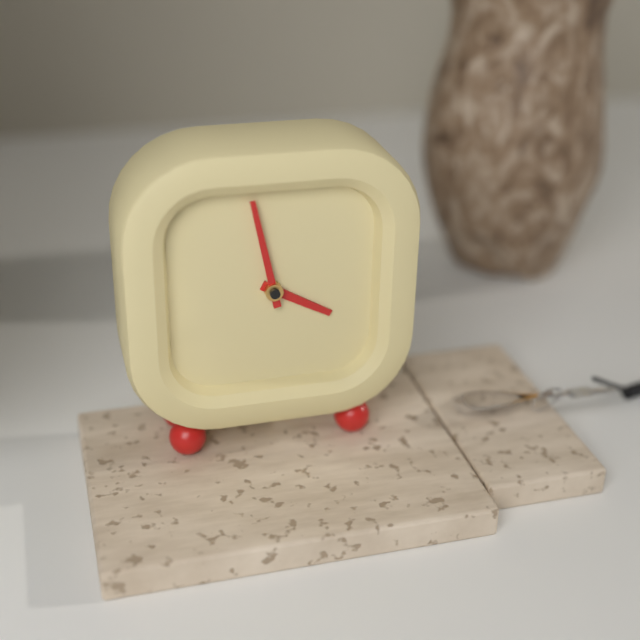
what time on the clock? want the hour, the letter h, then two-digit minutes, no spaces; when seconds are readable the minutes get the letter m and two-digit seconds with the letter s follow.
3h58
